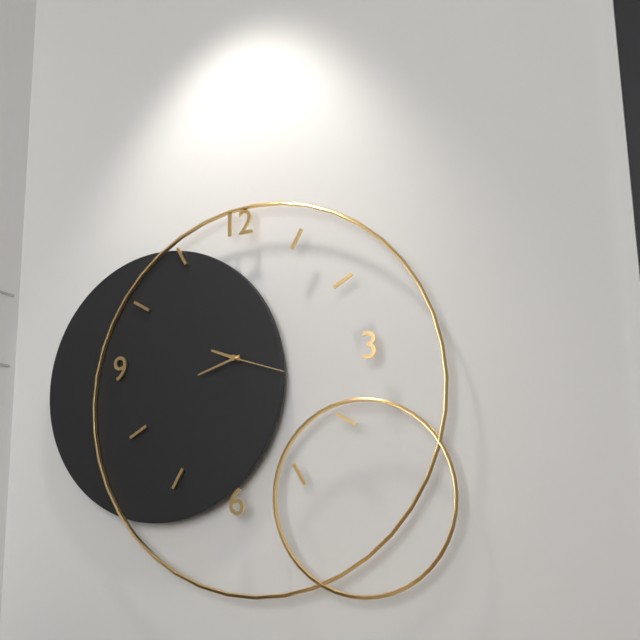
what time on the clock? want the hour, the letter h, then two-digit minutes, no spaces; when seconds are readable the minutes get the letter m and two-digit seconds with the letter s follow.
9h42m18s
